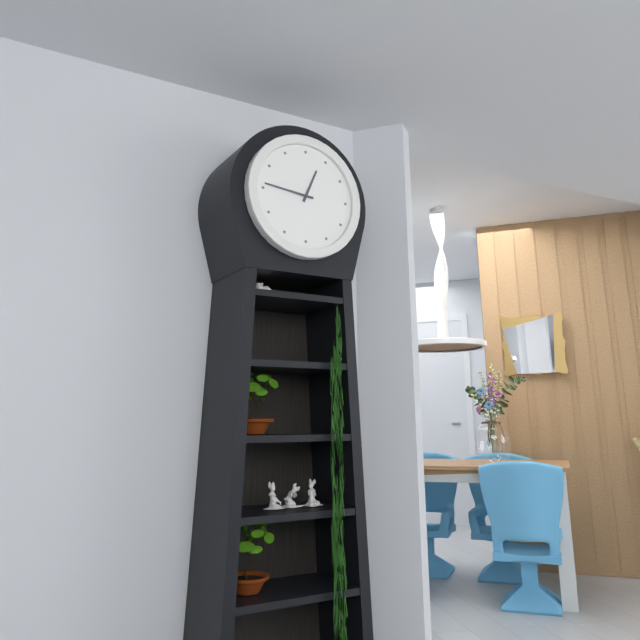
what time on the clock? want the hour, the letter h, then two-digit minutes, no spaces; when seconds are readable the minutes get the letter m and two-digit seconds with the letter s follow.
12h46
